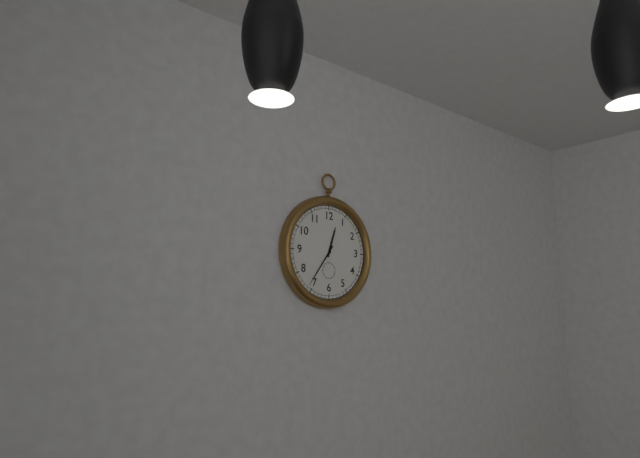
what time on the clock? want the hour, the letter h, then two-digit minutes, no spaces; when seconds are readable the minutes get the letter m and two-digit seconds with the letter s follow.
12h36
